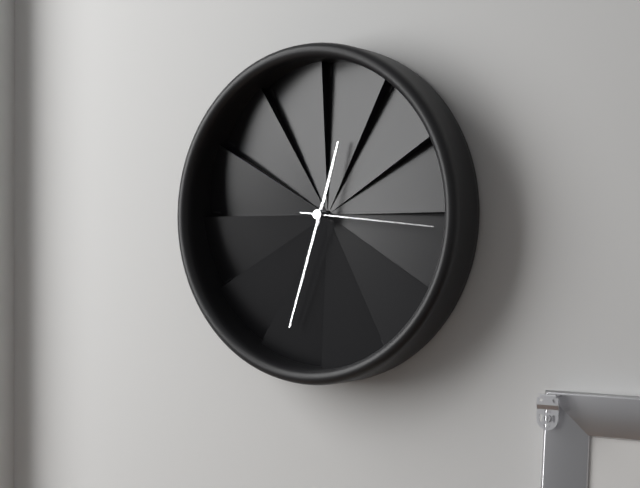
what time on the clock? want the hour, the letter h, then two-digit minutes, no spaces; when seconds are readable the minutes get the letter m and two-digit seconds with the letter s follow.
12h33m16s
